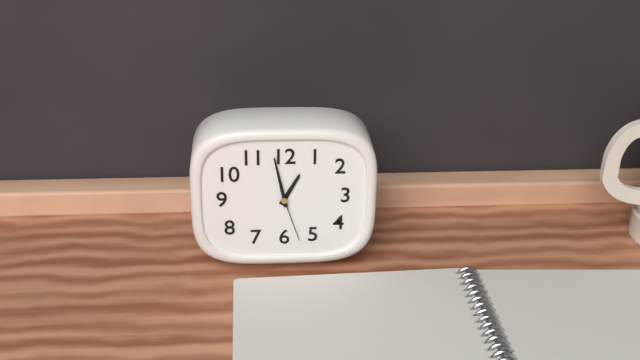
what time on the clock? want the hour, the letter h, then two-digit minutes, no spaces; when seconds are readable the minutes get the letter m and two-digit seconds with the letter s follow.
12h58m27s
